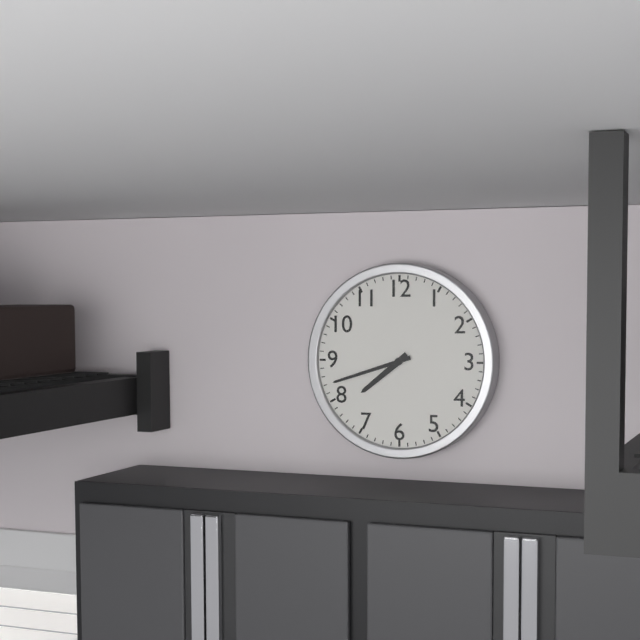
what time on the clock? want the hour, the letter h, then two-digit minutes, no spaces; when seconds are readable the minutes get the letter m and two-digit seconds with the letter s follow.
7h42
